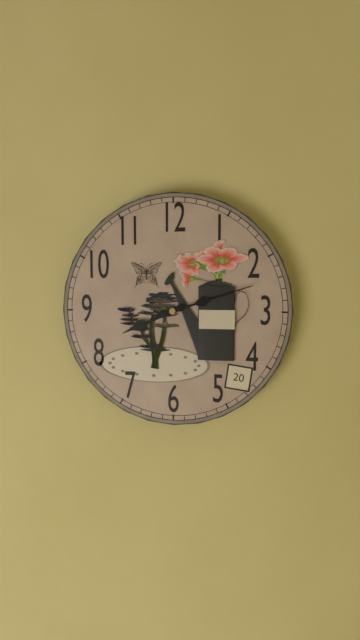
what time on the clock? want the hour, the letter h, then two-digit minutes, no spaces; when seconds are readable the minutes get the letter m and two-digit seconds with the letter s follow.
8h12
